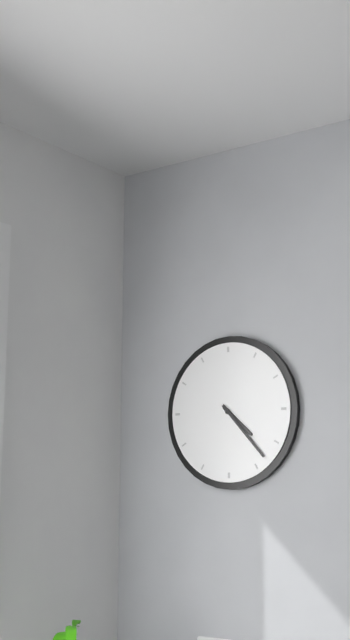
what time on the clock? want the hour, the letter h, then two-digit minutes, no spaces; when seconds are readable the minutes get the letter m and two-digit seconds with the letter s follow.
4h23
